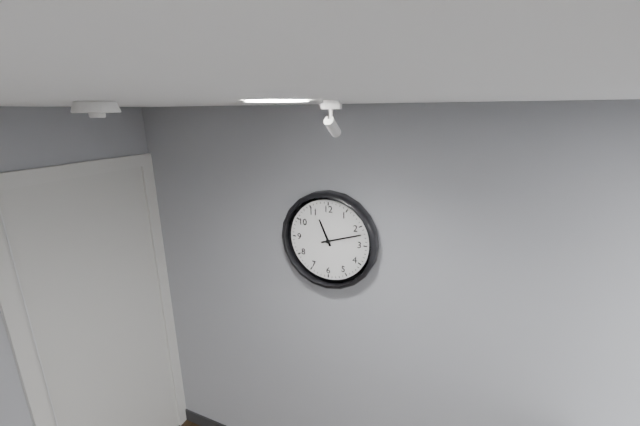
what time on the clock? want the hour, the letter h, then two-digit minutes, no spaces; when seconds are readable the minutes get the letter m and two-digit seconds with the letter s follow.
11h12
